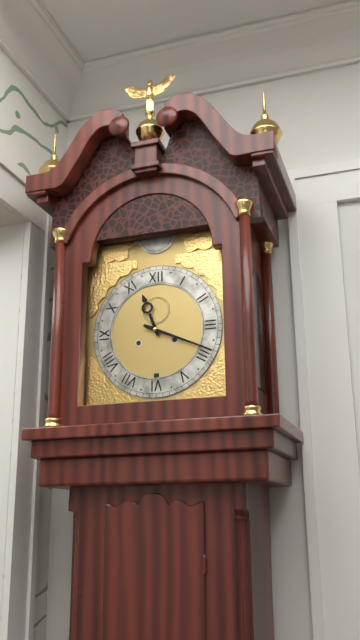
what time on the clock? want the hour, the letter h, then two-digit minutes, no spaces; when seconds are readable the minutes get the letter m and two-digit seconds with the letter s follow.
11h19
